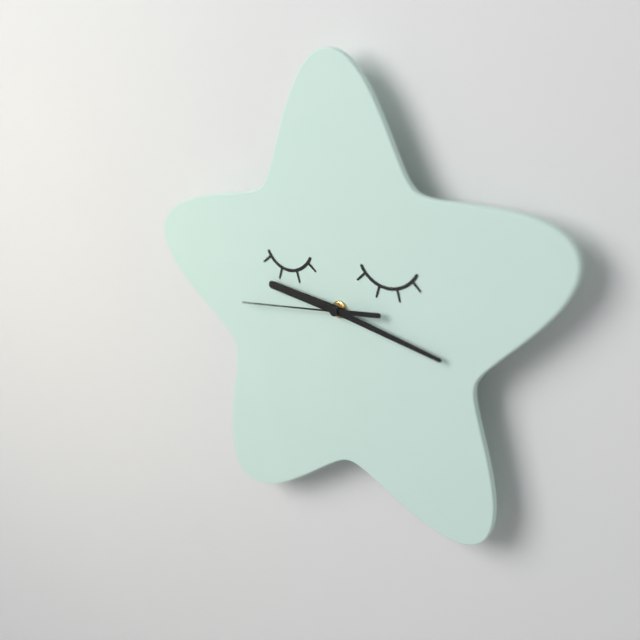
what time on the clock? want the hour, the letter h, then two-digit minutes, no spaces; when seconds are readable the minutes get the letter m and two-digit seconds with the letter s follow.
9h17m44s
